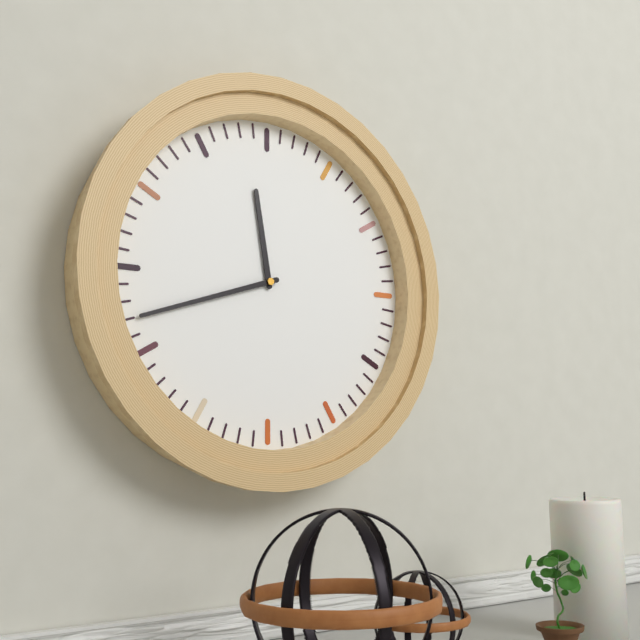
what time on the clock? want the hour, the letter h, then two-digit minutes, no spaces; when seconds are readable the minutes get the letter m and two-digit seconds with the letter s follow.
11h42
